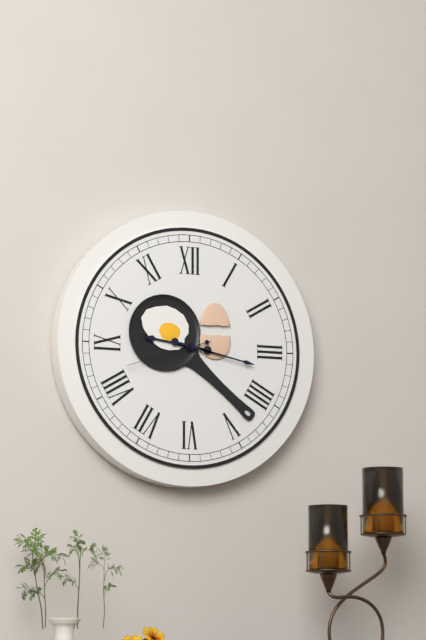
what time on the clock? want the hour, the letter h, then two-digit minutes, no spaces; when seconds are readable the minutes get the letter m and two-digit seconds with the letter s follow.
9h17m42s
